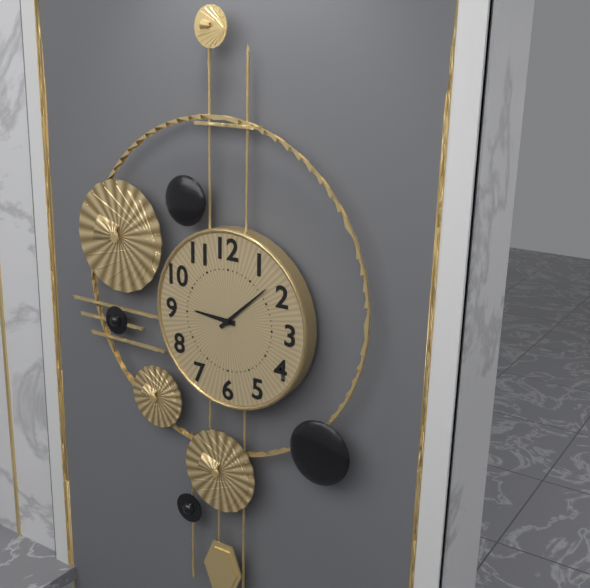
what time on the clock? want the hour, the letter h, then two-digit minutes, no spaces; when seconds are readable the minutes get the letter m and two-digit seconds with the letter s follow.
9h08
